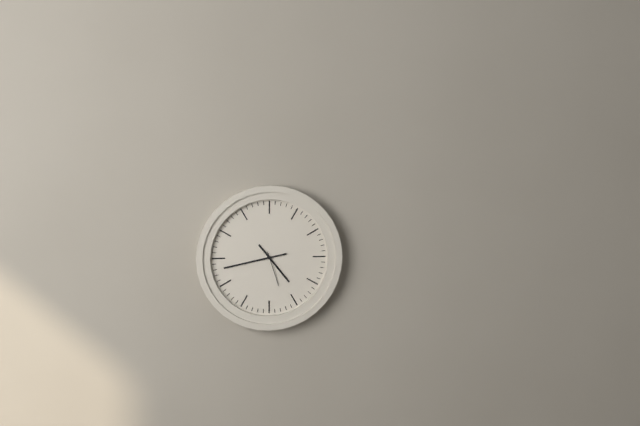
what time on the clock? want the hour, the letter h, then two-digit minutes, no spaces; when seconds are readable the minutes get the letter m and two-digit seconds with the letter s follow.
4h43
